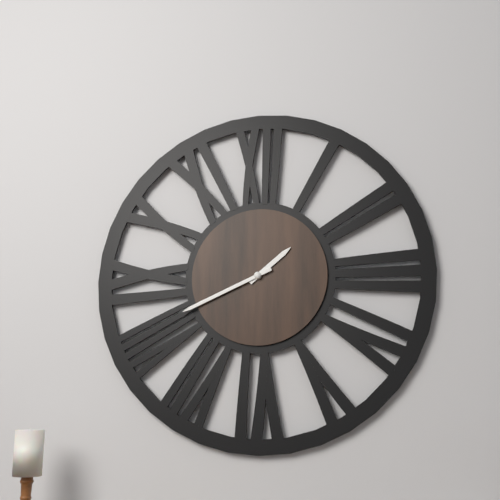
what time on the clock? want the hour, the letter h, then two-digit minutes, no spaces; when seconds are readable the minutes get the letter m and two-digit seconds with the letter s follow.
1h41
